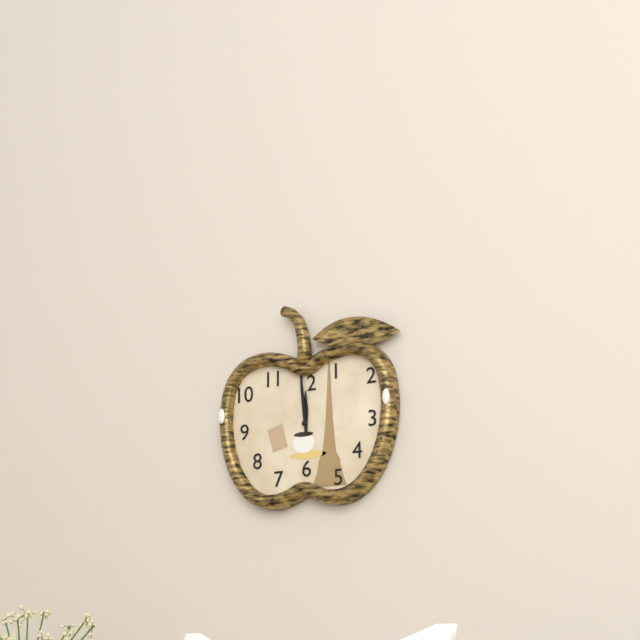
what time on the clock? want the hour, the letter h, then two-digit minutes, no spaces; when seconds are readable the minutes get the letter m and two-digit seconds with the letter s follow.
11h59
